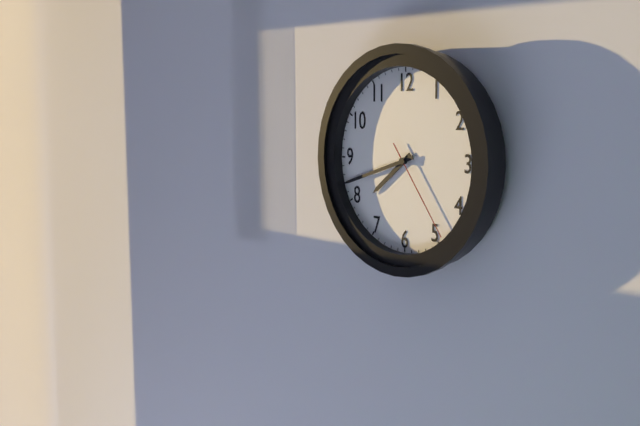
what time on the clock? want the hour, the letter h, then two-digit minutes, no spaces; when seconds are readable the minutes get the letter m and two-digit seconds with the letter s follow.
7h42m24s
